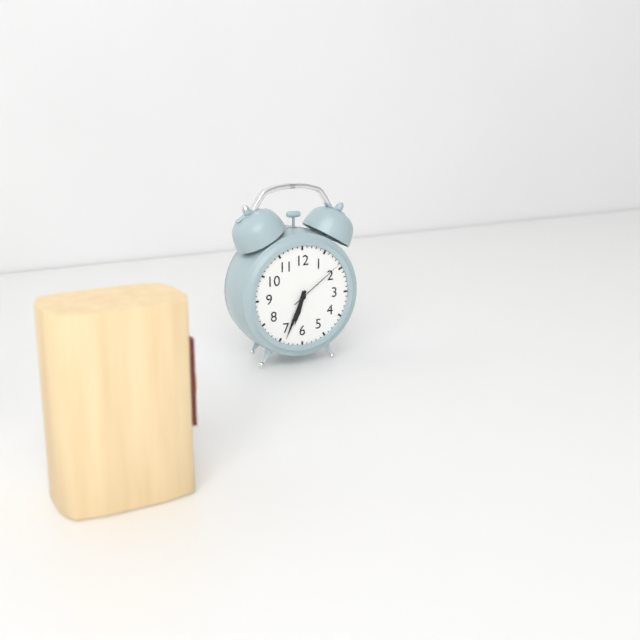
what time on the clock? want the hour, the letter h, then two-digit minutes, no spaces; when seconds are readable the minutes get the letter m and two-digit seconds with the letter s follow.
6h34m09s
